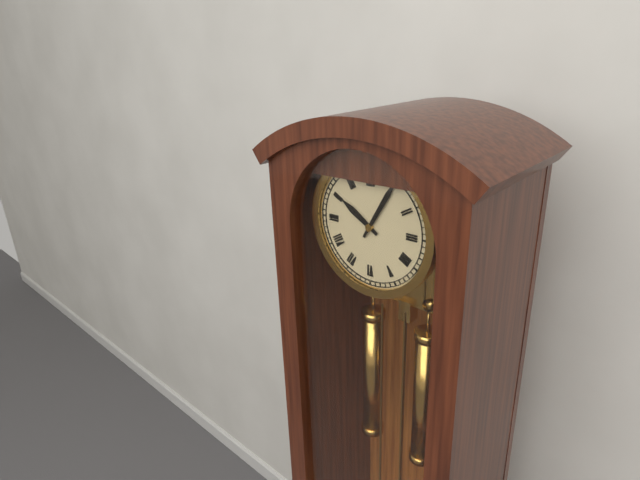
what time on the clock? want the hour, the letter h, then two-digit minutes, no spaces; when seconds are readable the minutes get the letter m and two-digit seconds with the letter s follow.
10h05
